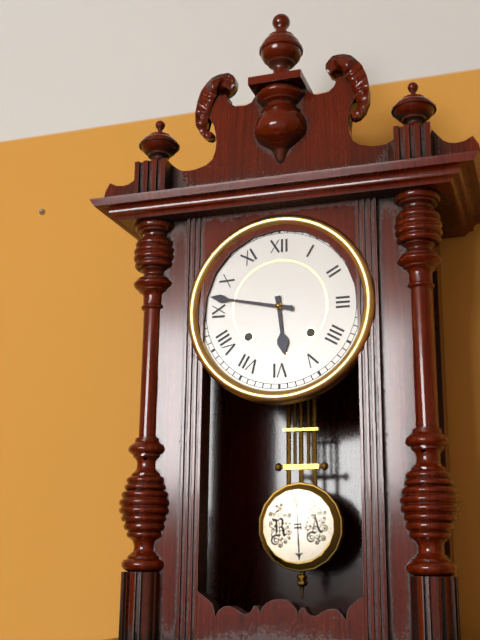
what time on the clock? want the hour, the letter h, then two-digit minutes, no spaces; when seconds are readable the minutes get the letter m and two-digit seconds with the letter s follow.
5h47
